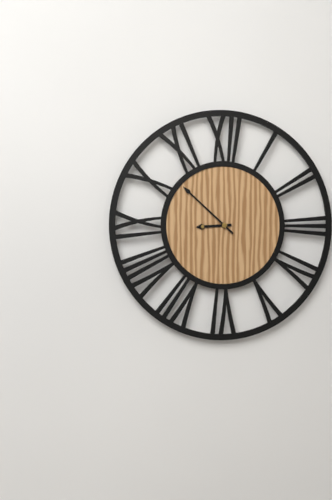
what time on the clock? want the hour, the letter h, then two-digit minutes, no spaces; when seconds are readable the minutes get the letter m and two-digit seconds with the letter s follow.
8h52
